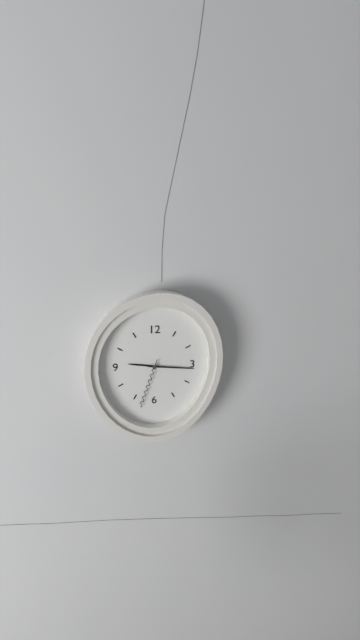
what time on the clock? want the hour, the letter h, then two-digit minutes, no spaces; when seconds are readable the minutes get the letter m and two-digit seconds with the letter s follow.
9h16m33s
